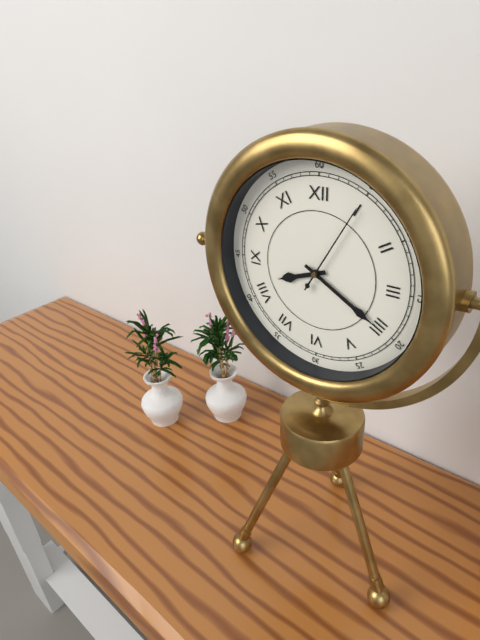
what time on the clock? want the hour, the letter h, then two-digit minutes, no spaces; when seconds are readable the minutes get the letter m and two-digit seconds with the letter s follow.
8h20m05s
